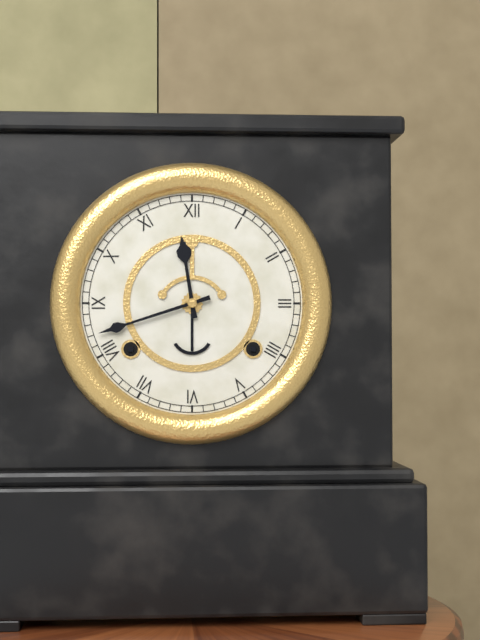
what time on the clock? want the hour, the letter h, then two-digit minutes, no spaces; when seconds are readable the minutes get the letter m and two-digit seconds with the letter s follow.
11h42
